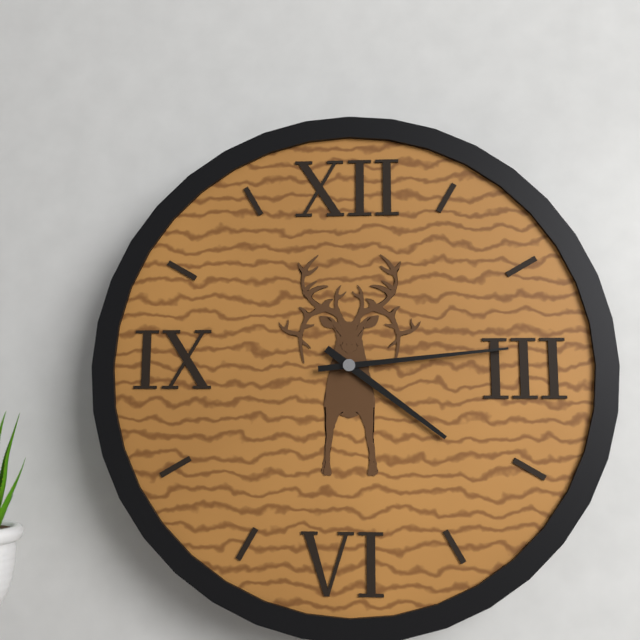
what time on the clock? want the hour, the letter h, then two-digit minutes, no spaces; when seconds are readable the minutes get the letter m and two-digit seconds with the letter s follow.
4h14
